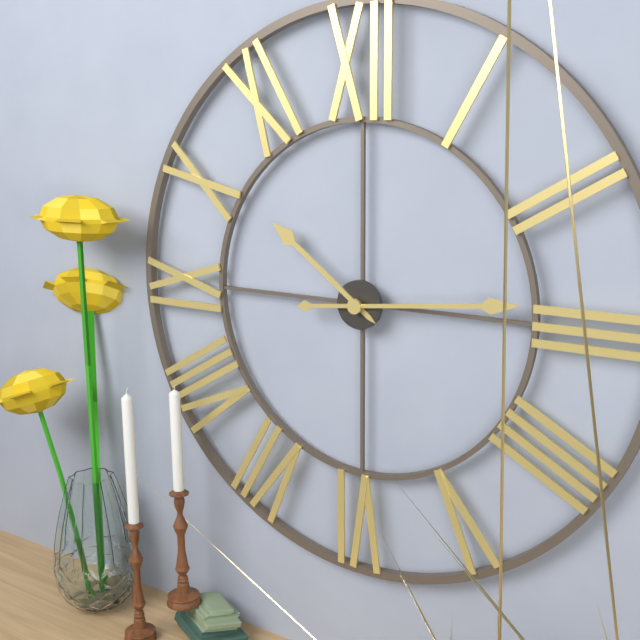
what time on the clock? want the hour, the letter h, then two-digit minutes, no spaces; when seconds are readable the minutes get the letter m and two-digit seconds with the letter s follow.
10h14
